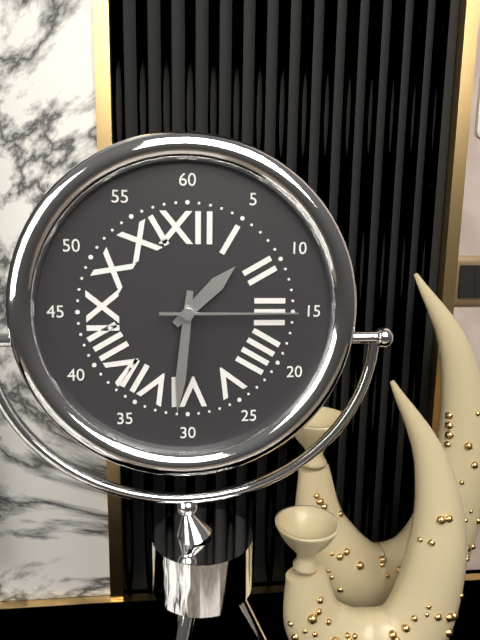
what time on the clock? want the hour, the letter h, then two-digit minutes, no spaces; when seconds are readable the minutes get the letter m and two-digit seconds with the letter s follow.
1h31m15s
